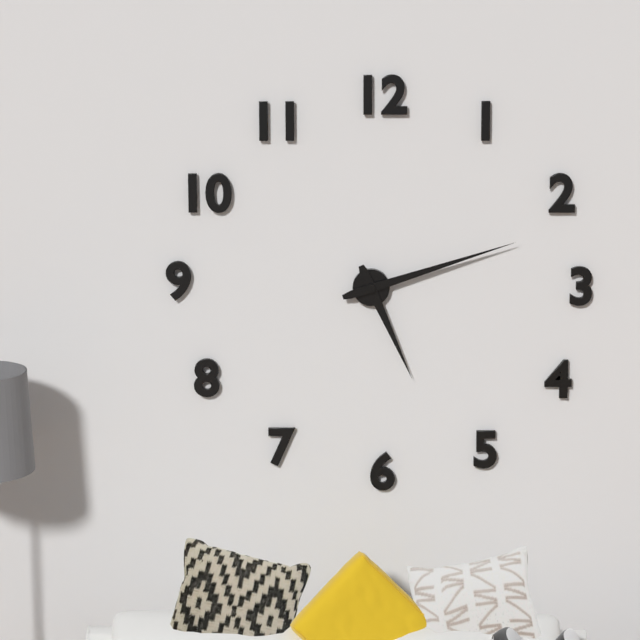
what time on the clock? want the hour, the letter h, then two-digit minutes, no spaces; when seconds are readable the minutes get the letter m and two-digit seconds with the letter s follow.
5h12
